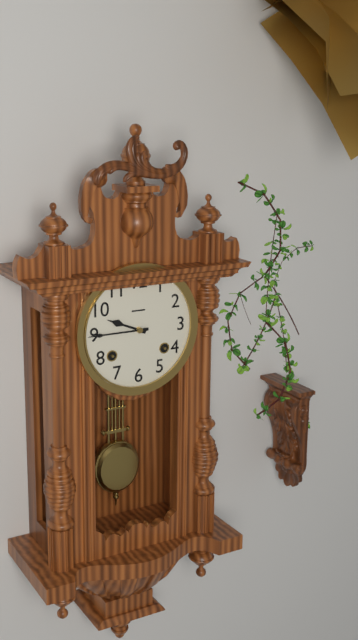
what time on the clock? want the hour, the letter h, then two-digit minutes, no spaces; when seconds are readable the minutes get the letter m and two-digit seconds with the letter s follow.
9h45
